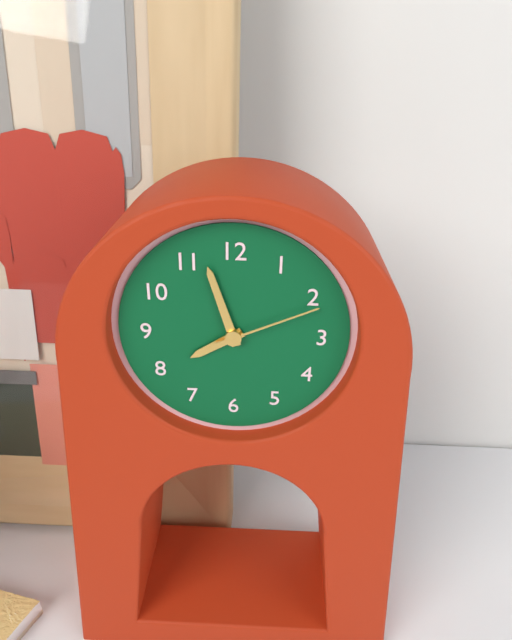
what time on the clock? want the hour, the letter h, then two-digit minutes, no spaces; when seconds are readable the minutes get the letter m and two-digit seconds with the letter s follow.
7h57m11s
